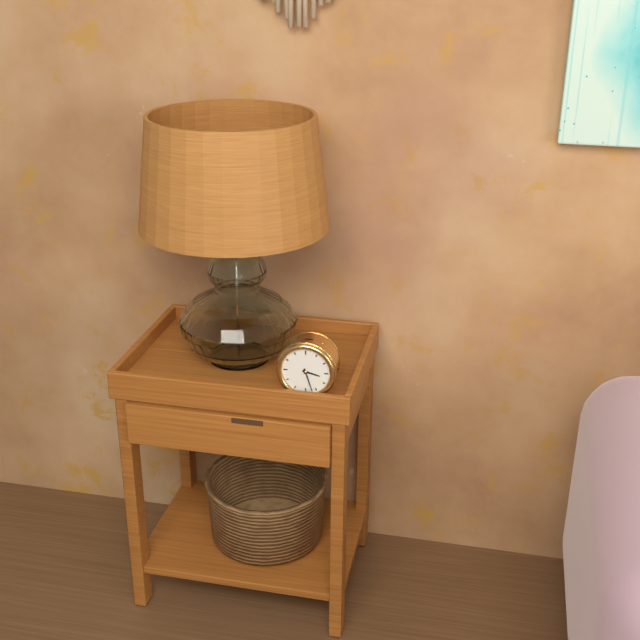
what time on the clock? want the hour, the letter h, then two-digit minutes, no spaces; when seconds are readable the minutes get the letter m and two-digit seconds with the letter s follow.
3h27
